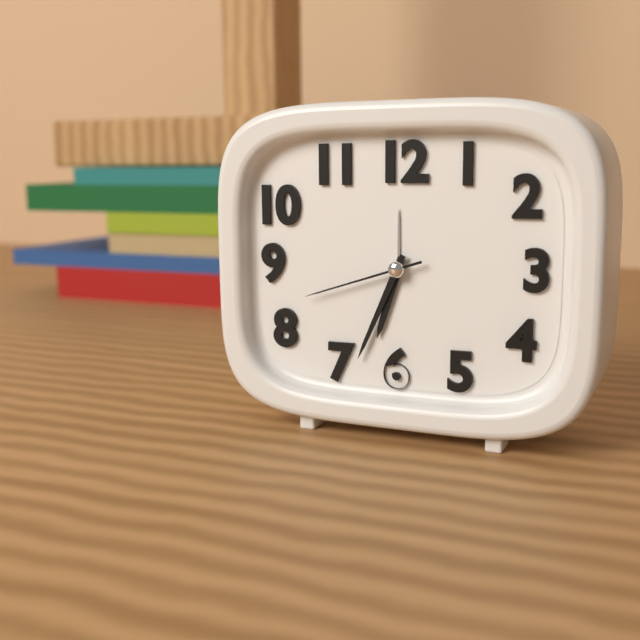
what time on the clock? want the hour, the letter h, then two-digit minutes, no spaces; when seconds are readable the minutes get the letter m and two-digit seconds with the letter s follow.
6h34m42s
